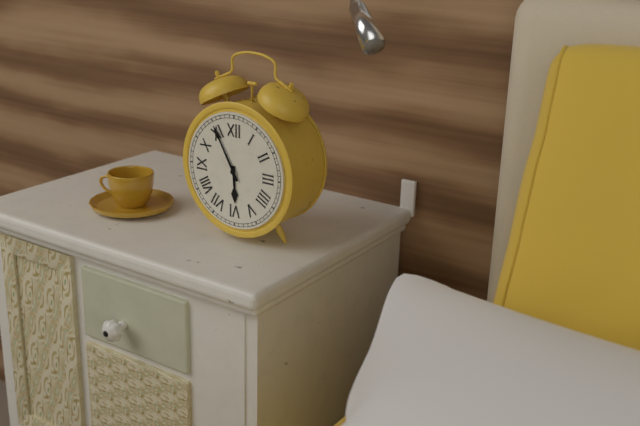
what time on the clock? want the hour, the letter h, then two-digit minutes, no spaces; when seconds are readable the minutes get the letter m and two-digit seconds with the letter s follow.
5h55
